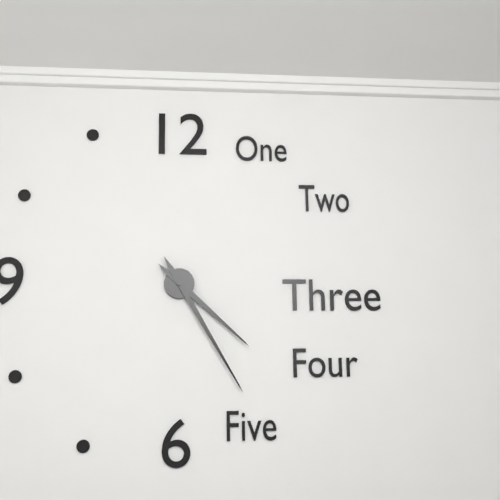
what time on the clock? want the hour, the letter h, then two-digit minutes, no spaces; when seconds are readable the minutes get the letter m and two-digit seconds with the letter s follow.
4h25
